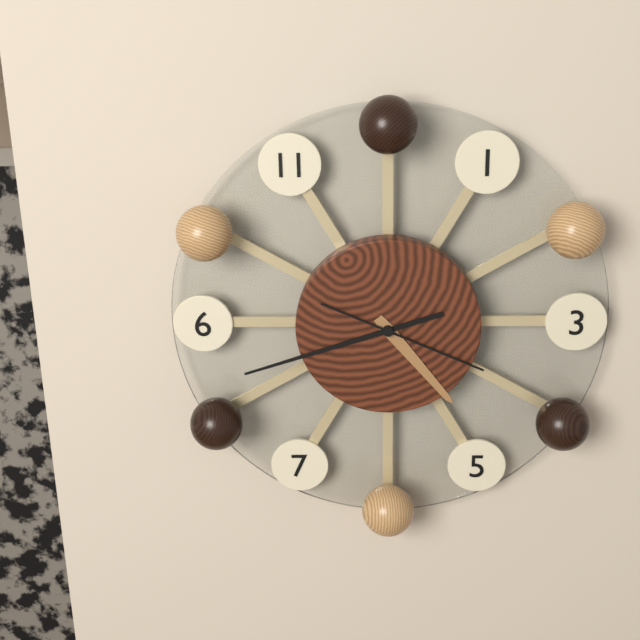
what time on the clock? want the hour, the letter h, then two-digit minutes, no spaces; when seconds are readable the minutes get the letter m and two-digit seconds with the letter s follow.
4h42m19s
